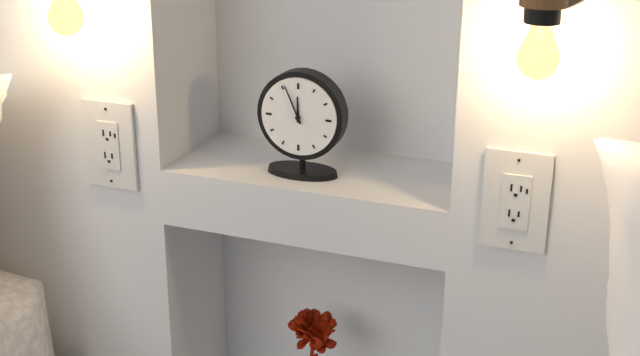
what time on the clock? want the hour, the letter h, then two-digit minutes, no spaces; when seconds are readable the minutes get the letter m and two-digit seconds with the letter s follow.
11h56
